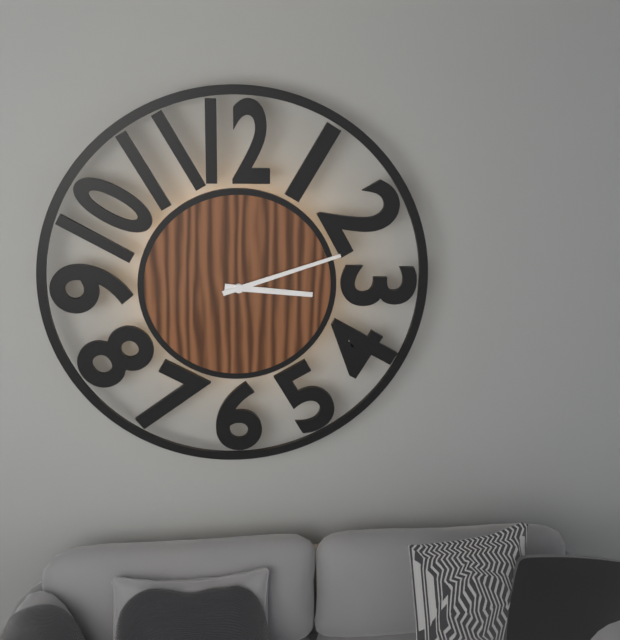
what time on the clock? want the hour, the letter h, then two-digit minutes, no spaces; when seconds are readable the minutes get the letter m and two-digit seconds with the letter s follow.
3h12
